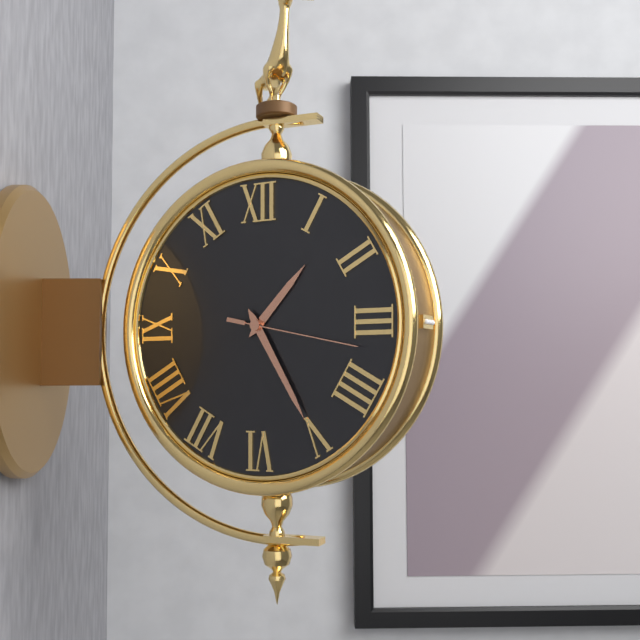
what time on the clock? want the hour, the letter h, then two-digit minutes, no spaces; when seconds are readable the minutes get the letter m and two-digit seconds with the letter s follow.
1h25m17s
